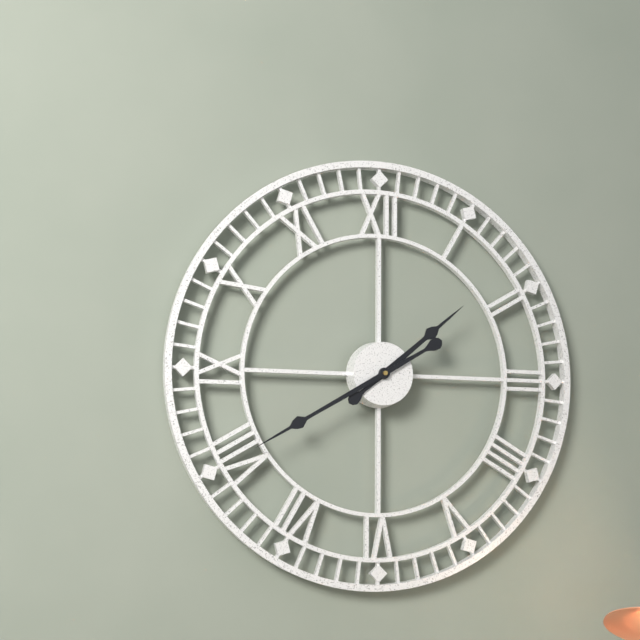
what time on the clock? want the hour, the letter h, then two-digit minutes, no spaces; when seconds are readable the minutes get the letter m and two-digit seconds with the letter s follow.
1h40
